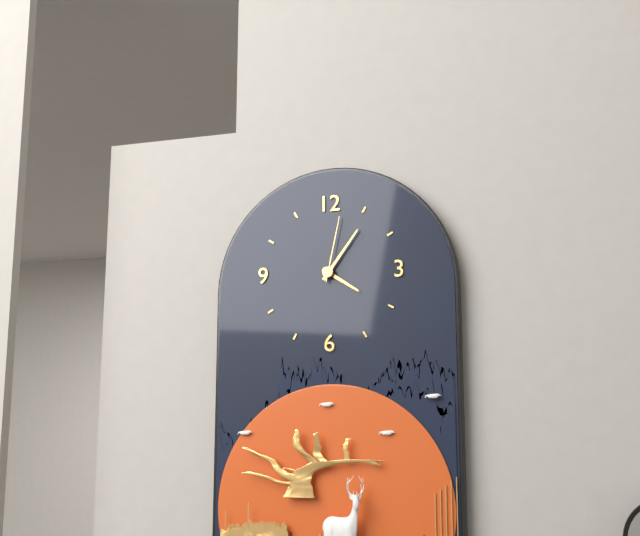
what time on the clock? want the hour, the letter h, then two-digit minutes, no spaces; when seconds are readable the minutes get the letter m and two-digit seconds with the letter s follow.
4h06m02s
